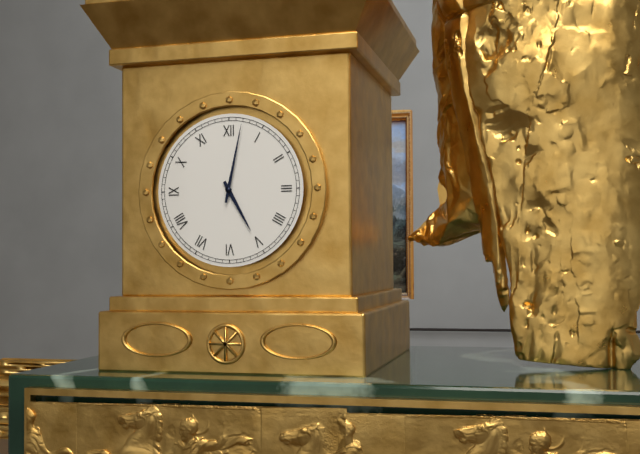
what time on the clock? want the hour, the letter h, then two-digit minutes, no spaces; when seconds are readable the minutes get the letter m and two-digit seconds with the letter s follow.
5h02
